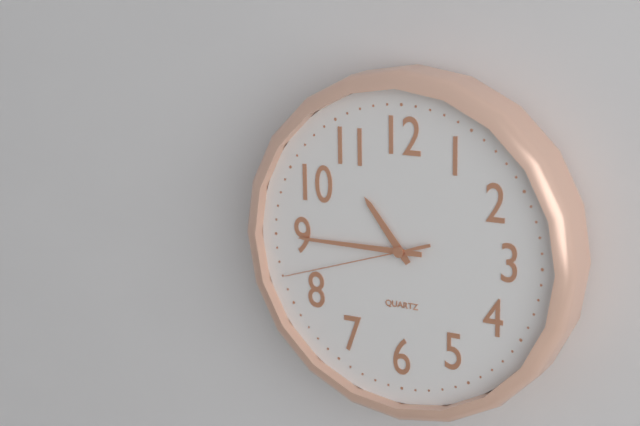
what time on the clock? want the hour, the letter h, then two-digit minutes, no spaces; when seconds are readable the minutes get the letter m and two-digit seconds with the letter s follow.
10h45m42s
